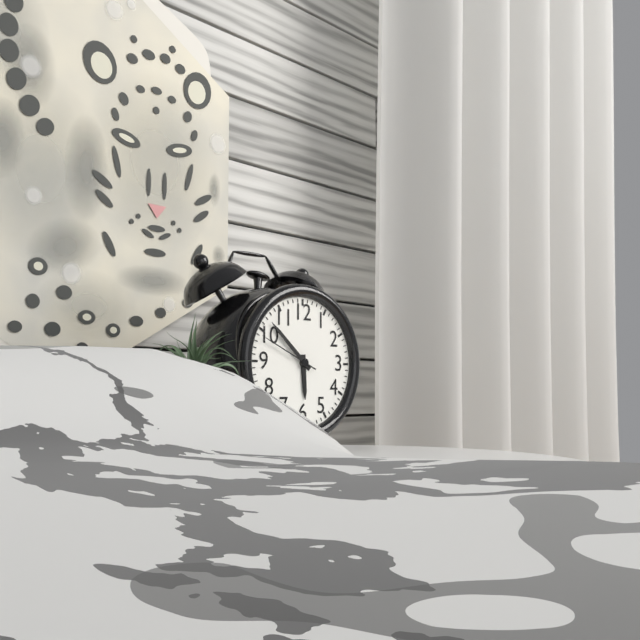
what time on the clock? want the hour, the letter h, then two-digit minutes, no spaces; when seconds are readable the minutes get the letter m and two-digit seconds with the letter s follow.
5h52m49s
